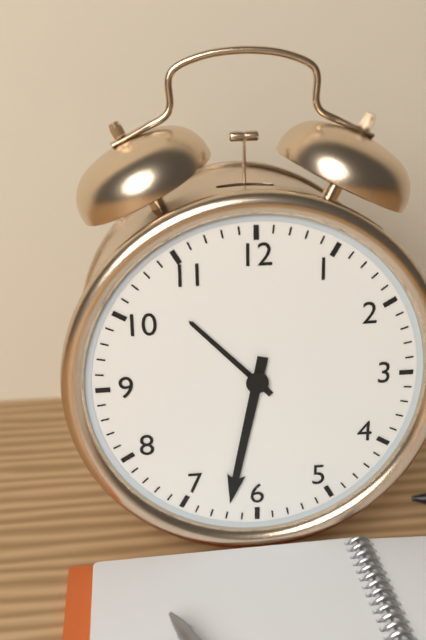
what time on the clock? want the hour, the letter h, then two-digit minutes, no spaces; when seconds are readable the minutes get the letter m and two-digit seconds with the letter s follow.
10h32
